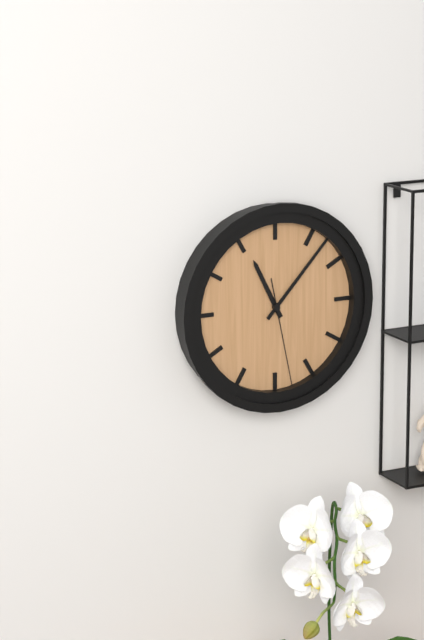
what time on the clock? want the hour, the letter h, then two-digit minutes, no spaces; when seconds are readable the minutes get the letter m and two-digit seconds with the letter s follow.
11h07m28s
